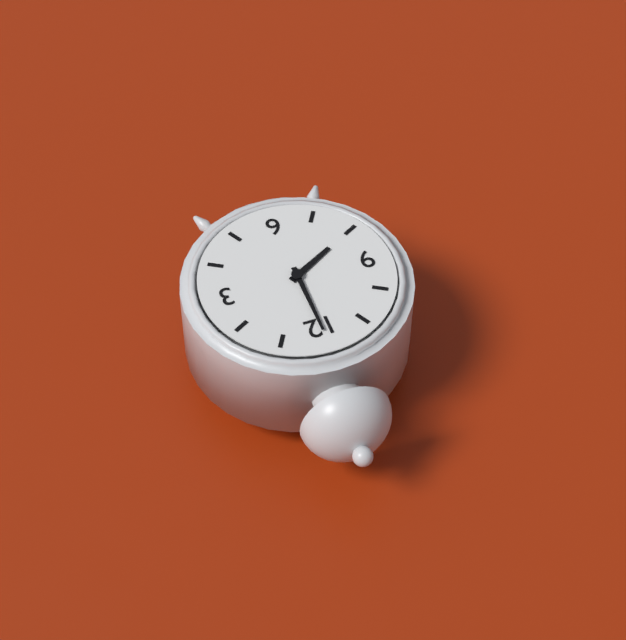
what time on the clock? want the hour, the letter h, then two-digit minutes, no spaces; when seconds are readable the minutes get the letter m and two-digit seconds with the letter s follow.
8h00
